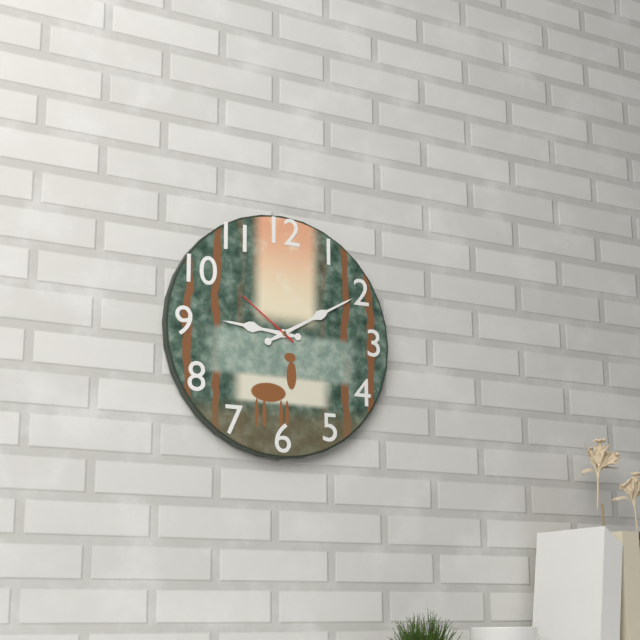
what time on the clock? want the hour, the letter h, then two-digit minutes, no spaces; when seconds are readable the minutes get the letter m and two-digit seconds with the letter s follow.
9h10m51s
